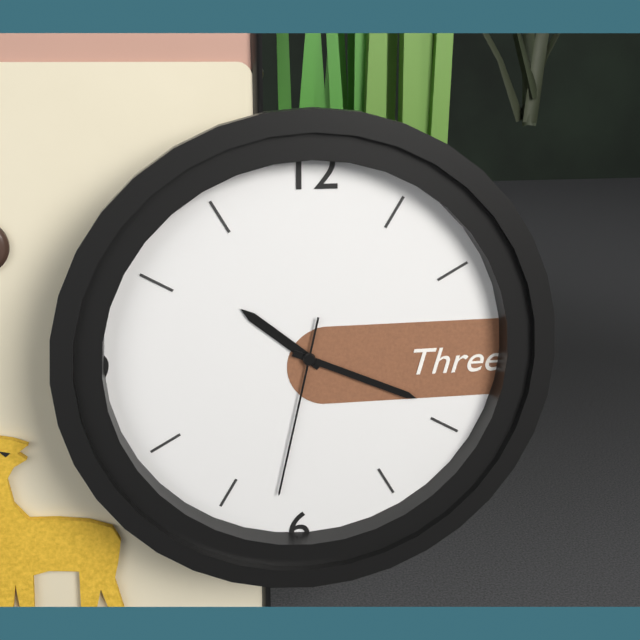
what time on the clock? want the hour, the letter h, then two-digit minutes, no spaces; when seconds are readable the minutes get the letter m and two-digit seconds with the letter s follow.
10h19m32s
